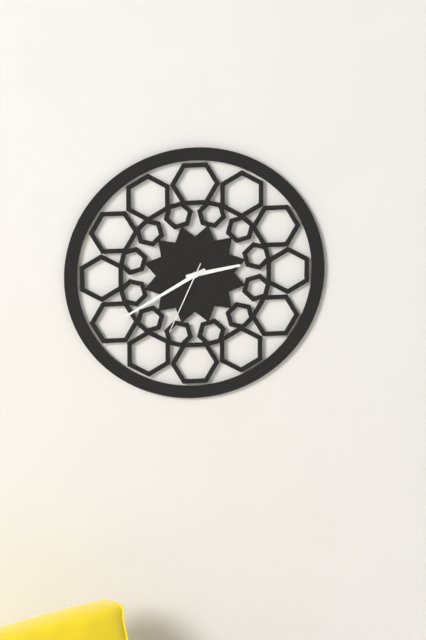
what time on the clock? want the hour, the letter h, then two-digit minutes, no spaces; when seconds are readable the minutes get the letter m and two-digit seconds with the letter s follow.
2h40m34s
